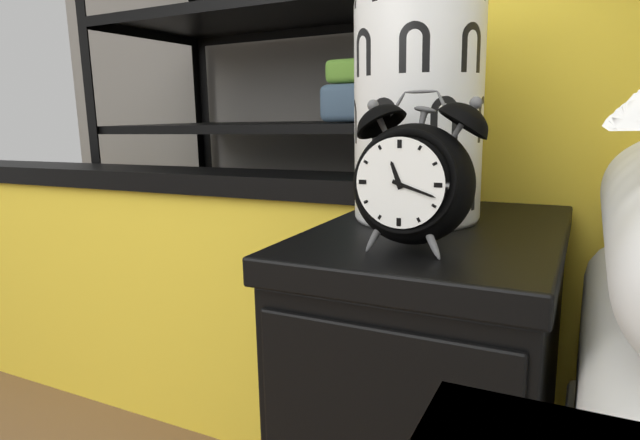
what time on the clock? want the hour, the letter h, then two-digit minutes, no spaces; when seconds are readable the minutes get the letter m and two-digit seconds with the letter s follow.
11h18
